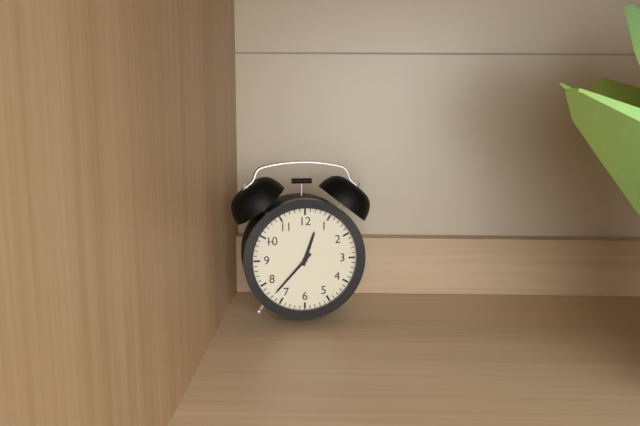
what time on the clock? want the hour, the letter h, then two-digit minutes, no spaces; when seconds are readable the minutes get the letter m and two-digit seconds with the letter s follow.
12h37
